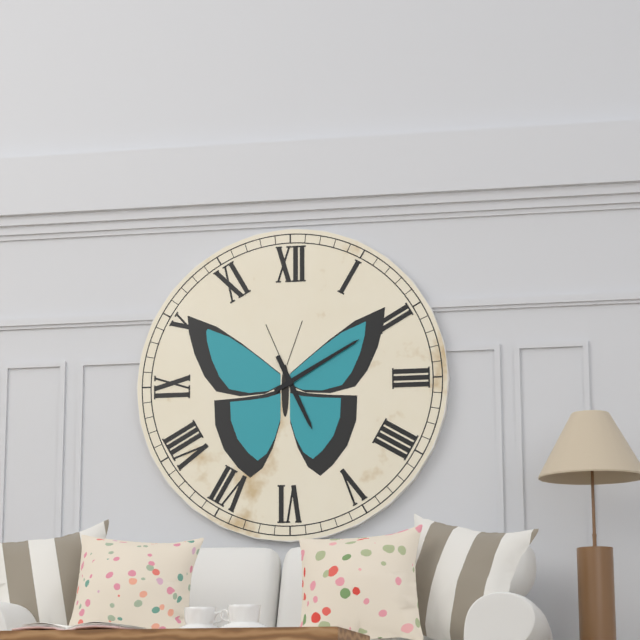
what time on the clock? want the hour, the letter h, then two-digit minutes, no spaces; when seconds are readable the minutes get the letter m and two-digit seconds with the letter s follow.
5h10
